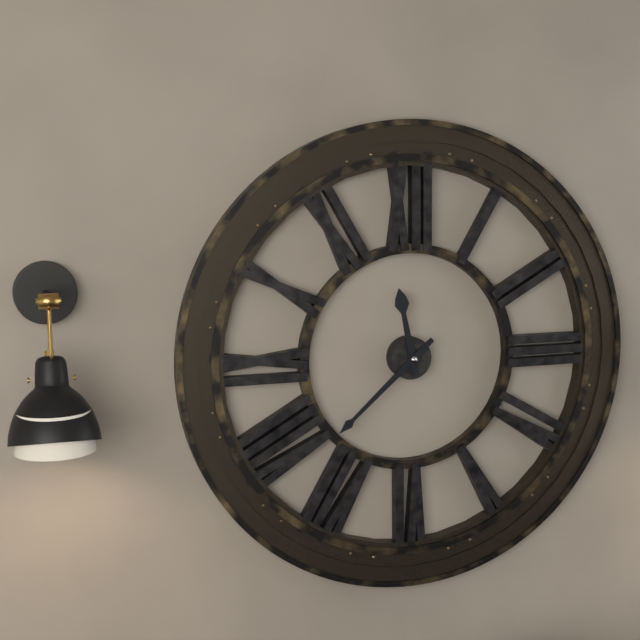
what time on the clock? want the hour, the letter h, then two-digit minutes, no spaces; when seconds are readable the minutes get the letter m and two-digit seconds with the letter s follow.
11h38
